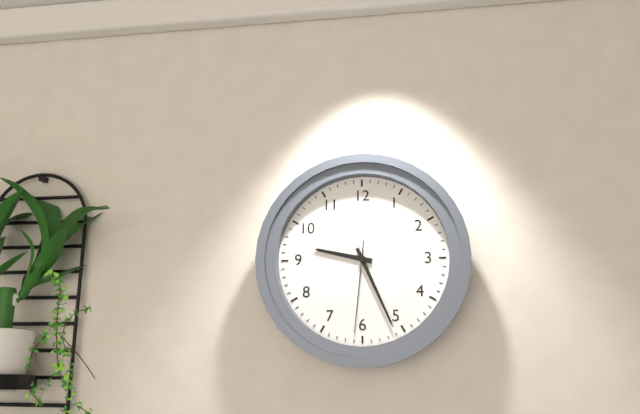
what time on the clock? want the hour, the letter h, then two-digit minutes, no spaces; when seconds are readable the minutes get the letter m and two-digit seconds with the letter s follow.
9h26m31s
